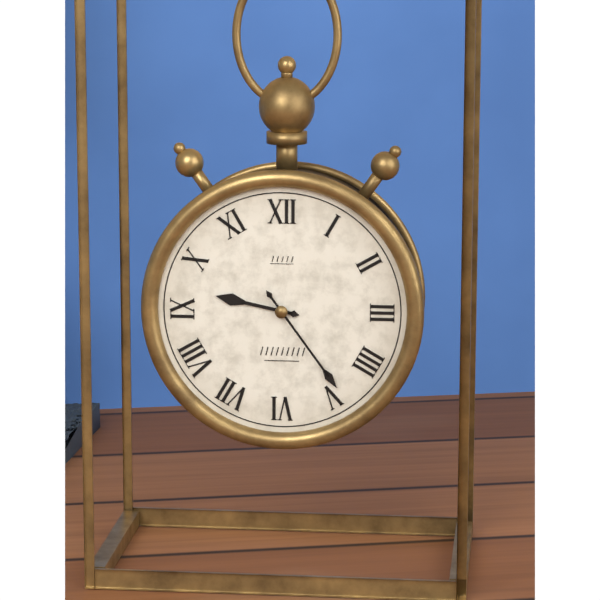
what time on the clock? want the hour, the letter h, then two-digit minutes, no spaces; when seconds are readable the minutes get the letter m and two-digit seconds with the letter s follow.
9h24
